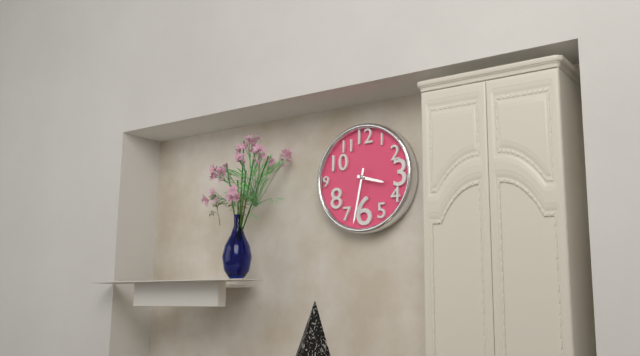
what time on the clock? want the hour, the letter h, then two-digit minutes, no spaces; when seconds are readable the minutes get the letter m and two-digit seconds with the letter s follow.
3h32
